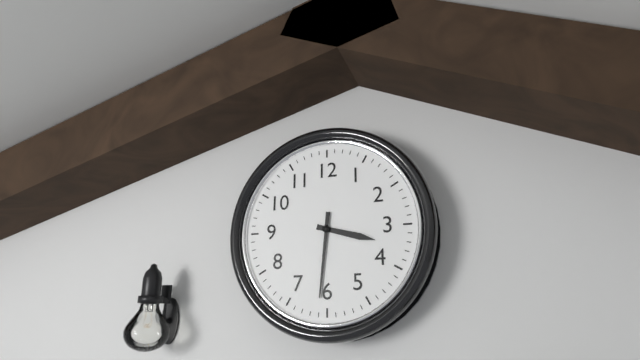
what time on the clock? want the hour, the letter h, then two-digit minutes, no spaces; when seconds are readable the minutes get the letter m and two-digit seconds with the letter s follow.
3h31
